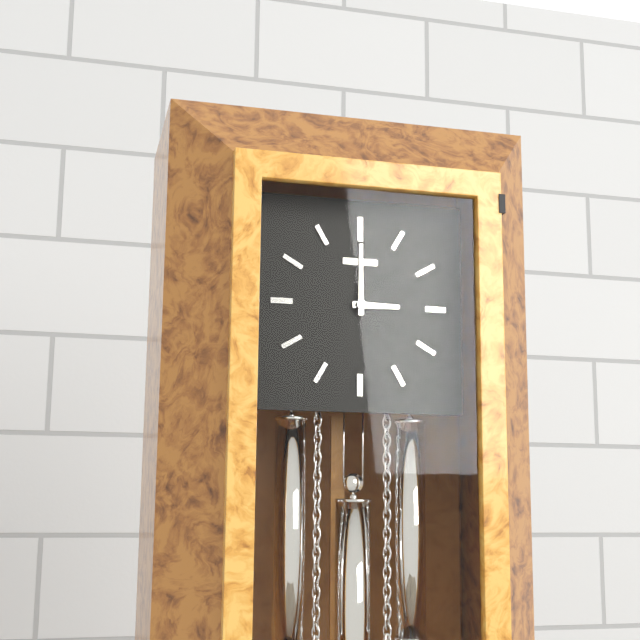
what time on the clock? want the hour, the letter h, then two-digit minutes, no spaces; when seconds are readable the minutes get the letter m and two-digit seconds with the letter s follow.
3h00
